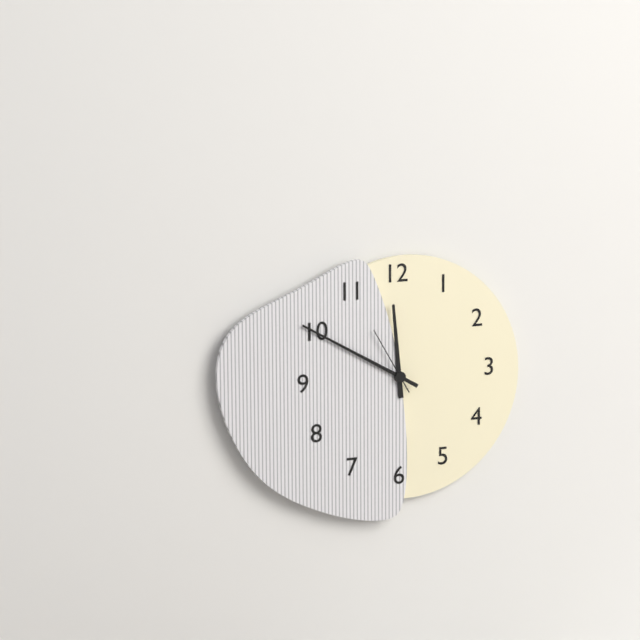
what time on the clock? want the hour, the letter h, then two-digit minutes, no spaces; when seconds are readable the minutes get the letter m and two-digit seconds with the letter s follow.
11h50m55s
